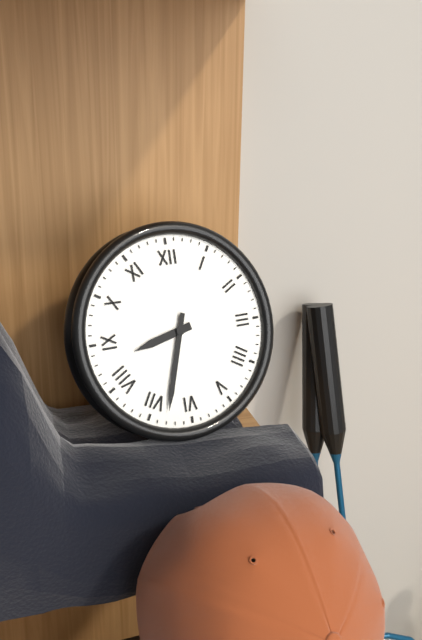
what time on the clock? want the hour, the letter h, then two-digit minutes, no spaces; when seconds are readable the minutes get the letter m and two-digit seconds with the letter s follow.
8h33
